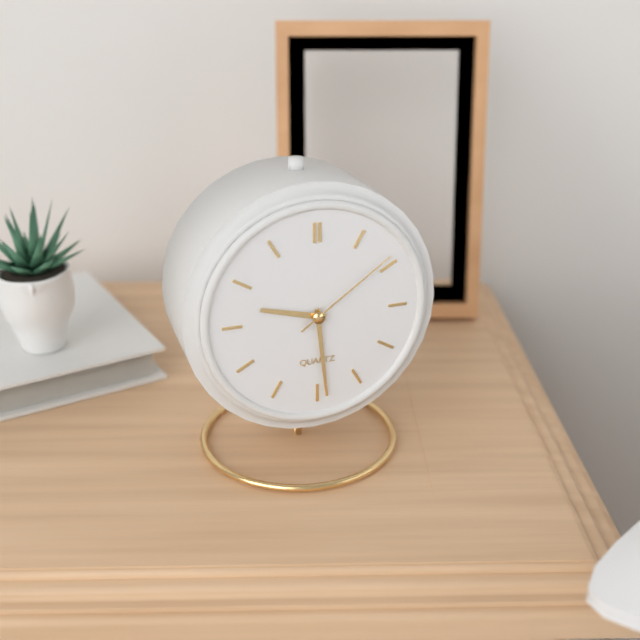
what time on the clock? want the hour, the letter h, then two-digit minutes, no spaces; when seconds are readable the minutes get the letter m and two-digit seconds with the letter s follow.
9h29m09s
